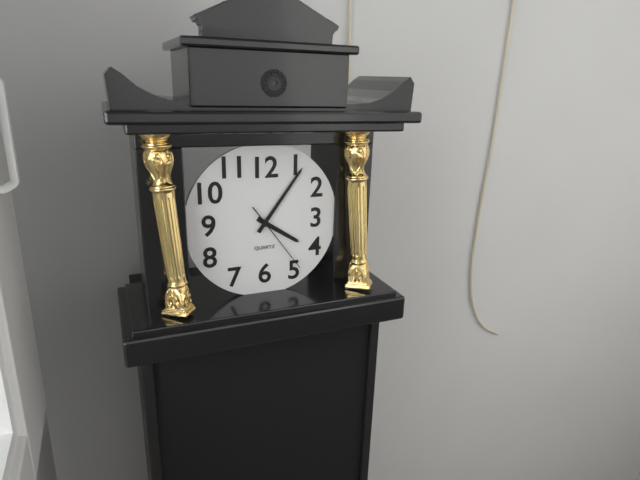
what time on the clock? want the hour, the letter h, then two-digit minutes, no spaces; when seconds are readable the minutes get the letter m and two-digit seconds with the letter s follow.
4h06m24s
